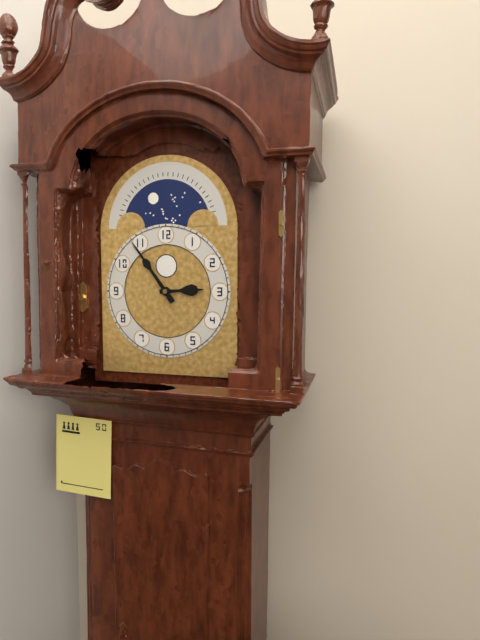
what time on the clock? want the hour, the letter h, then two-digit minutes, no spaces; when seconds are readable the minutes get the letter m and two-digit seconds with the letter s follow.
2h54
